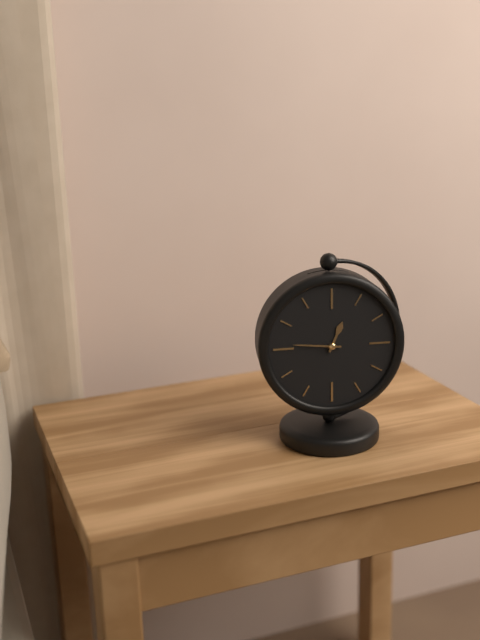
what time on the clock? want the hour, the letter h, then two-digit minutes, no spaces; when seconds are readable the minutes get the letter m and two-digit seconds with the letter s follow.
12h46
